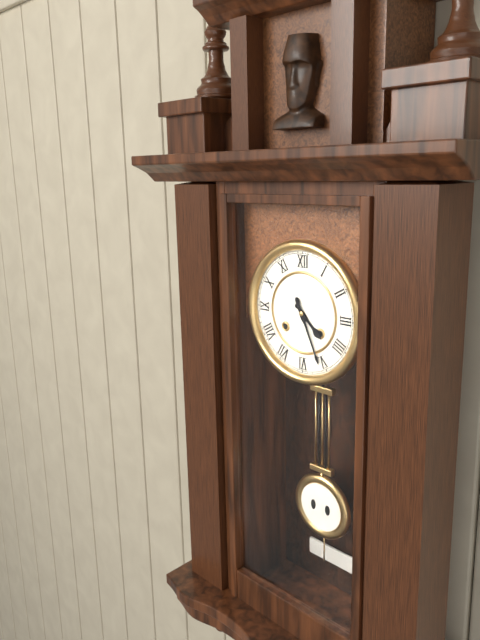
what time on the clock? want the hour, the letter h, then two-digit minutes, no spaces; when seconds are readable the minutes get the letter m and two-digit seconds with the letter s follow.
4h26
